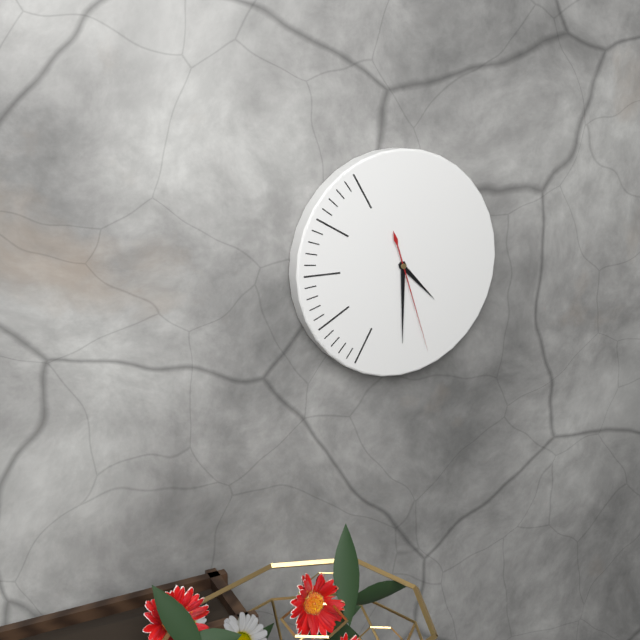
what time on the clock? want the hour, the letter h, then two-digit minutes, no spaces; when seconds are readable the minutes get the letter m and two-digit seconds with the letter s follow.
4h30m27s
